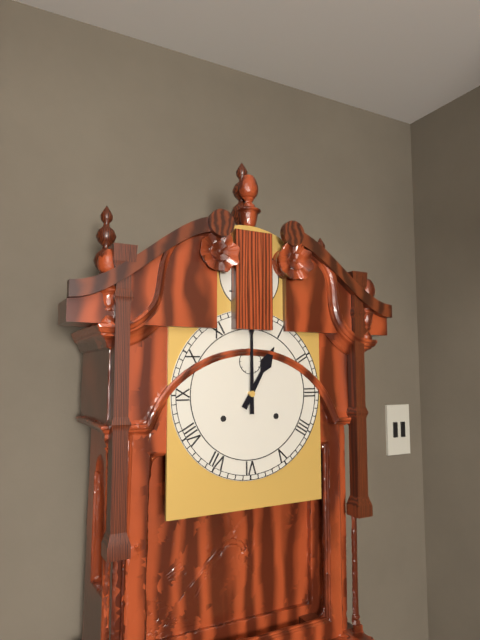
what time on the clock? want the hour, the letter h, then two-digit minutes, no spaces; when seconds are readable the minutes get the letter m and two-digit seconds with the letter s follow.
1h00
